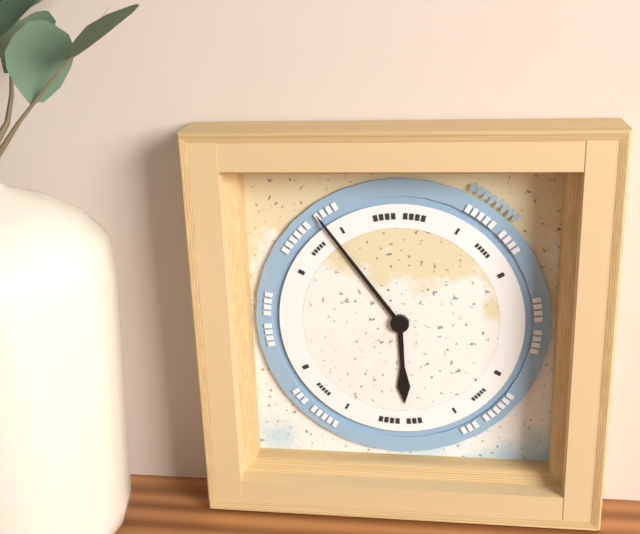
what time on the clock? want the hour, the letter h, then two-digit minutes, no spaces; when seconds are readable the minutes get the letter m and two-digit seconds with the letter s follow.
5h54
